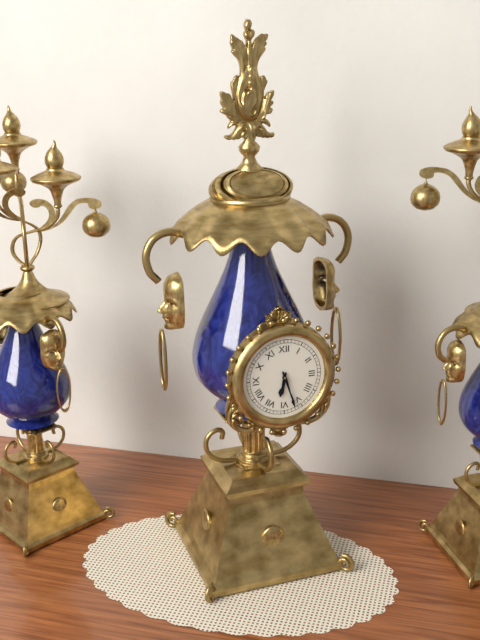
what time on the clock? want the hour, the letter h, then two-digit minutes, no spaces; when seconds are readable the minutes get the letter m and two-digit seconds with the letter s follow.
6h27
